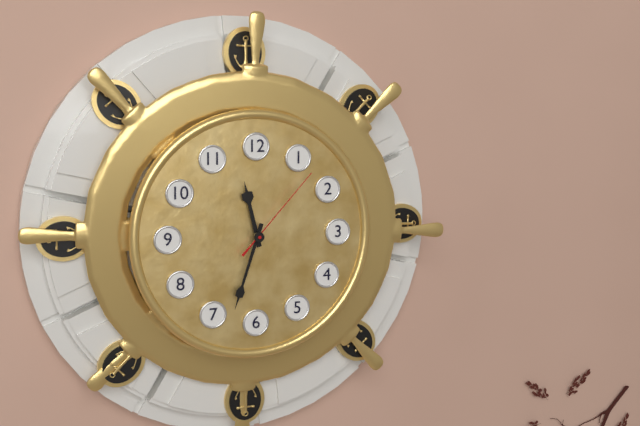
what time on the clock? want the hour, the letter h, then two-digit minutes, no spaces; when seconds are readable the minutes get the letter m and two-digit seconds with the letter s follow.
11h33m07s
